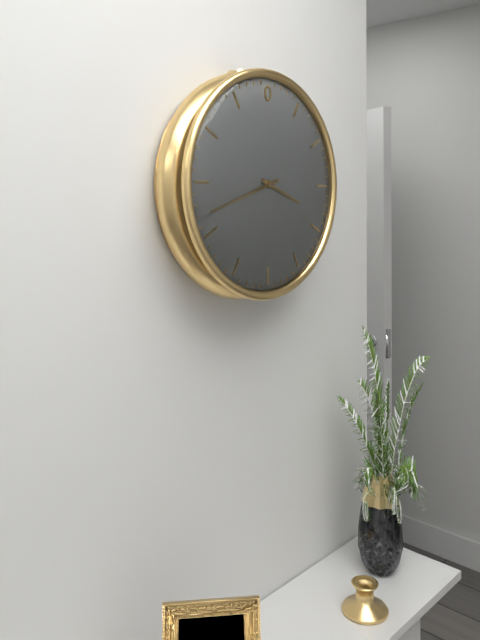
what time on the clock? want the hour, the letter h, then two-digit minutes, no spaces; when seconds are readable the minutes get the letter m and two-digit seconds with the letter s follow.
3h42
